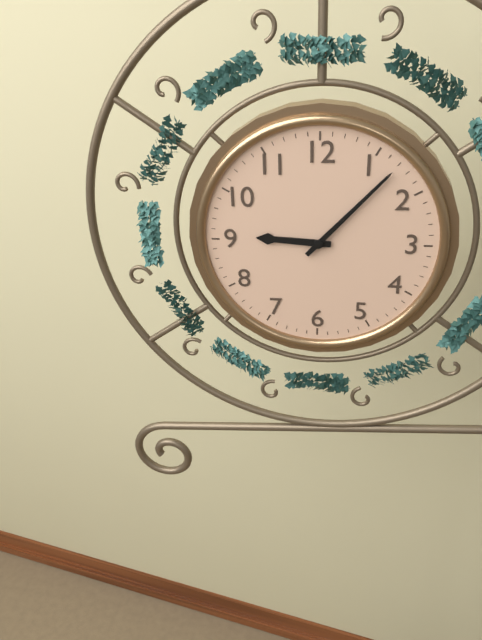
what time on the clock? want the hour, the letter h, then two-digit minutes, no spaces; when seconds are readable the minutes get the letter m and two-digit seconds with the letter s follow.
9h07
